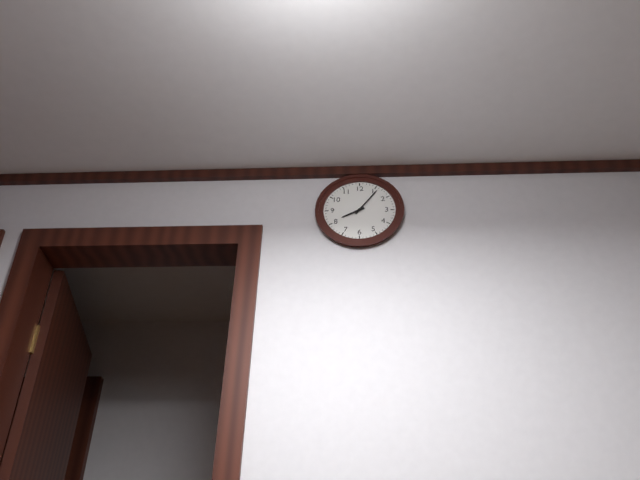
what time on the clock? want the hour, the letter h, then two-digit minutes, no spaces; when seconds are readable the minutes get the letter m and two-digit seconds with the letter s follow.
8h06
